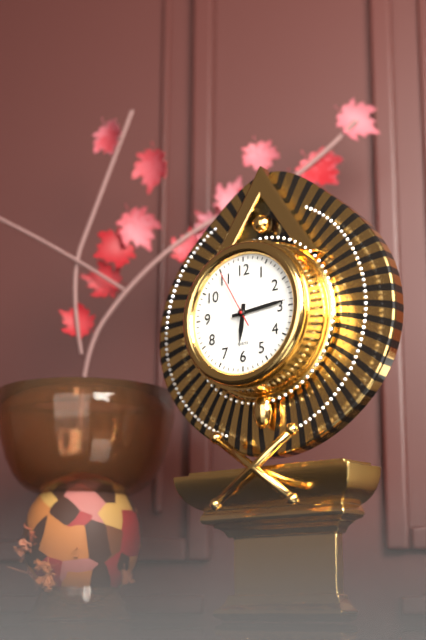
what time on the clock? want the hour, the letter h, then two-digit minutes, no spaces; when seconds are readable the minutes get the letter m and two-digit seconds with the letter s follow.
6h14m55s
